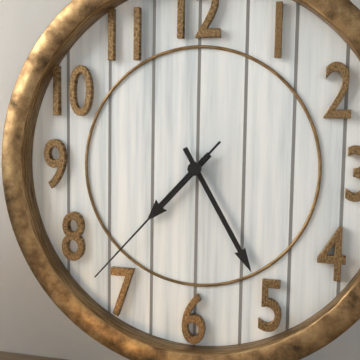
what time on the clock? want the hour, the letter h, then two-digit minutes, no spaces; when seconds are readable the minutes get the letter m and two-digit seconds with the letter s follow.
7h25m37s
